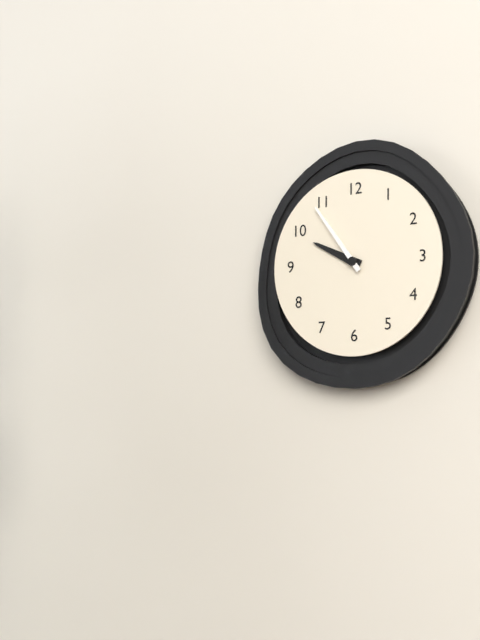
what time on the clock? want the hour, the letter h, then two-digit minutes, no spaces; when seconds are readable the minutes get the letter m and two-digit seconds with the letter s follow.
9h54
